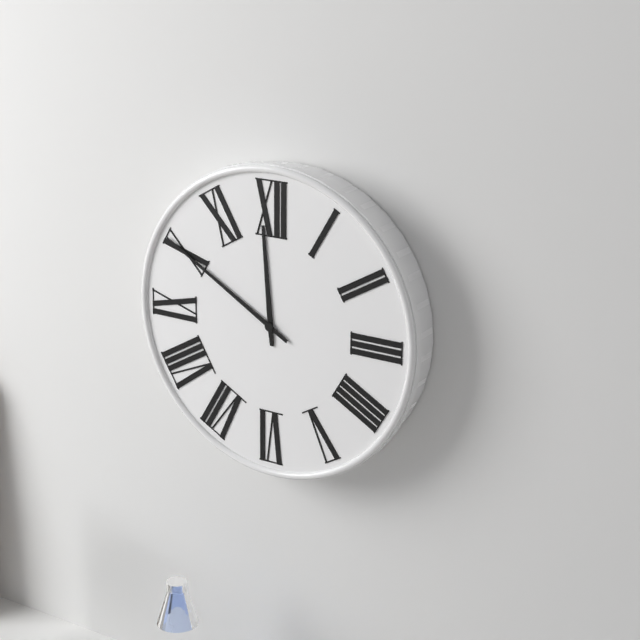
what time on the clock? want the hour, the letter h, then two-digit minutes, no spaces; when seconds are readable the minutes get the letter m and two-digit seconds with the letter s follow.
11h50
